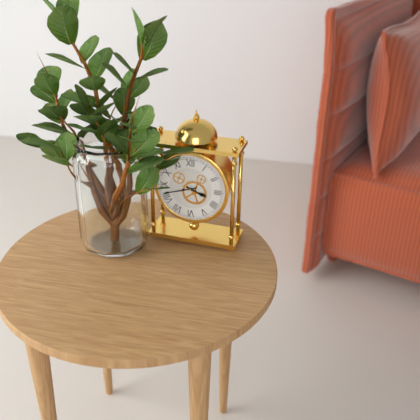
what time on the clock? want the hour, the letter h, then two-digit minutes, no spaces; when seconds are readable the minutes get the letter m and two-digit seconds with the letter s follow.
3h42
